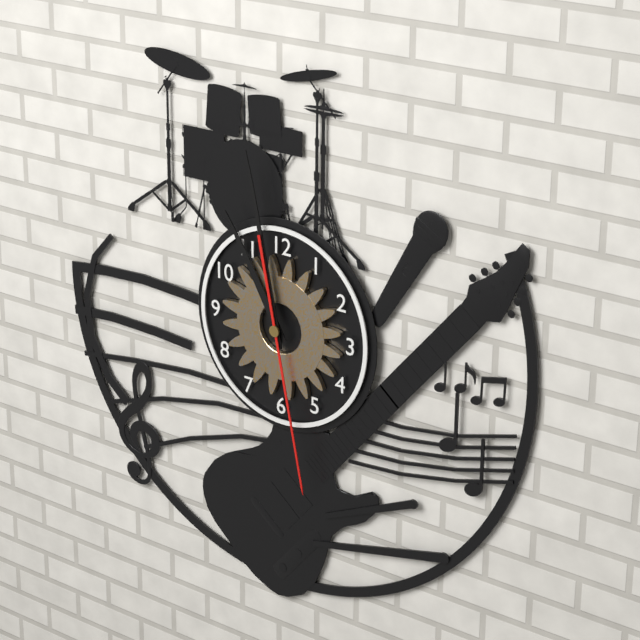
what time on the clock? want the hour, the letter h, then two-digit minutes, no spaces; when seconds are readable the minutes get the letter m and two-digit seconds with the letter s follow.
10h58m28s
